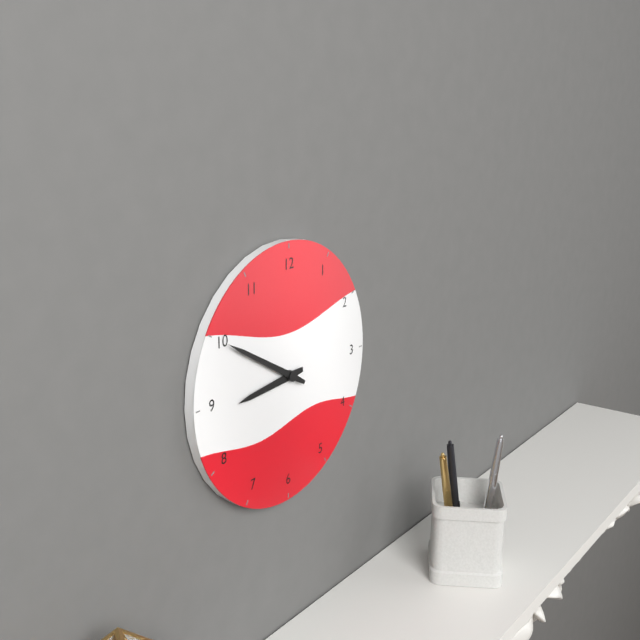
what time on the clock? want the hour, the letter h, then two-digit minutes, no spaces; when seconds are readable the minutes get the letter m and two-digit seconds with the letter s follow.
8h50
